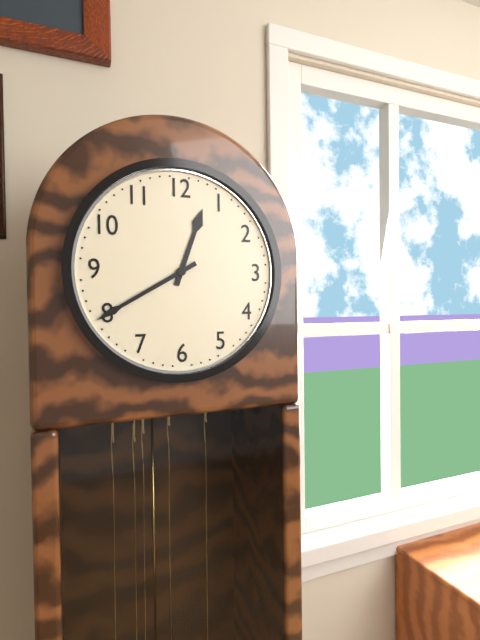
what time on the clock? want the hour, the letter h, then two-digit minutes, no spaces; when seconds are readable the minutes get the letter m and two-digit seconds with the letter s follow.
12h40
